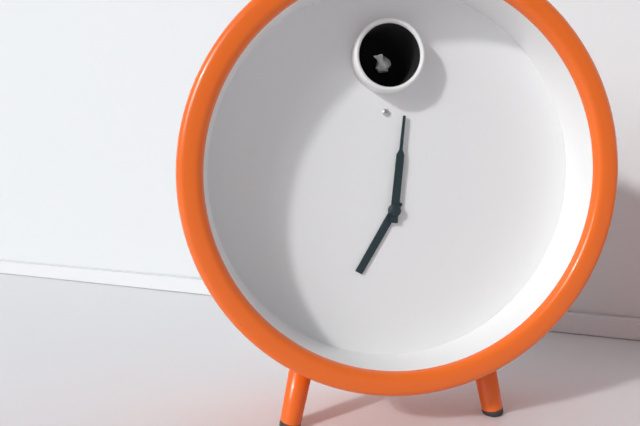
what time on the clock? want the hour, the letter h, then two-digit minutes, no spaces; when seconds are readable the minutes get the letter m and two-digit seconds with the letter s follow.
7h01
